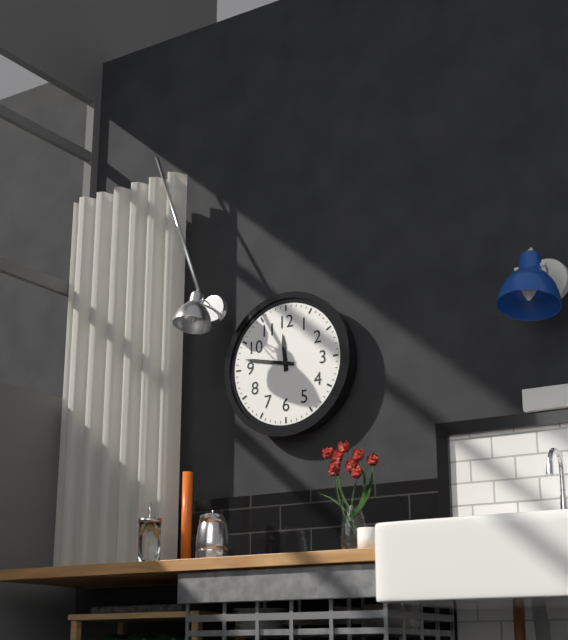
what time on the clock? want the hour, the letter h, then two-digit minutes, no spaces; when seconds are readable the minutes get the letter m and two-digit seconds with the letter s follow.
11h47
